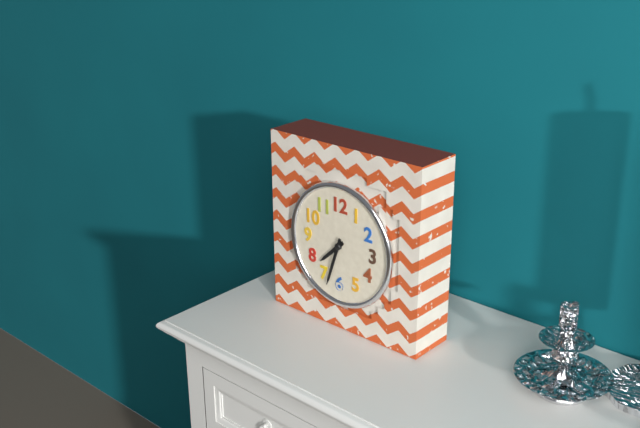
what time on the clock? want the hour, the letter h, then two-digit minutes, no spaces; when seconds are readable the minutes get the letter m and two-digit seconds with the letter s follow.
7h33
